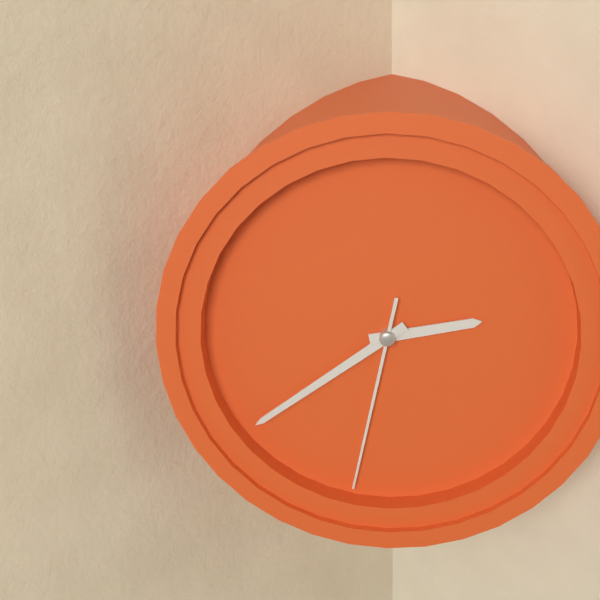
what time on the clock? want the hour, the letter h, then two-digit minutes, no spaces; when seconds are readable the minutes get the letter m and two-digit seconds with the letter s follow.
2h39m32s
